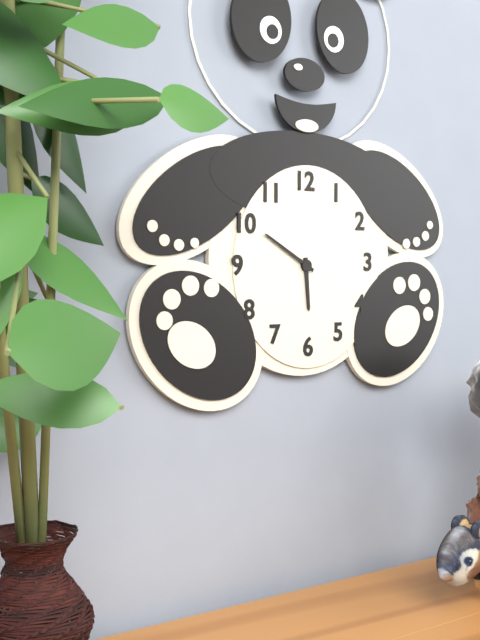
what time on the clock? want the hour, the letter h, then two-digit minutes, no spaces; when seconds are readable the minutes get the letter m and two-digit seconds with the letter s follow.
5h50
